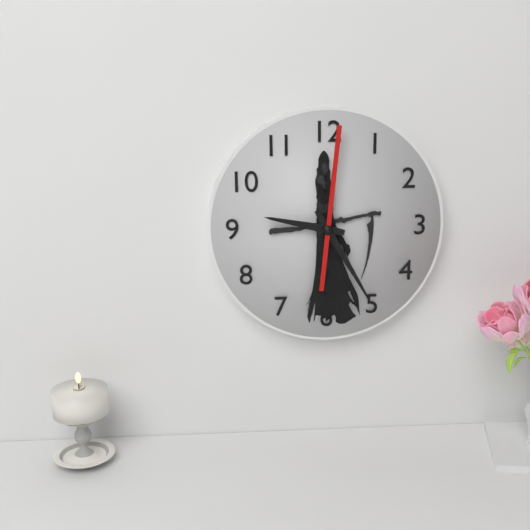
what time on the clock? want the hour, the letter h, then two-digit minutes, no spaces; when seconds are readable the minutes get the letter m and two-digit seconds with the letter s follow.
9h25m01s
